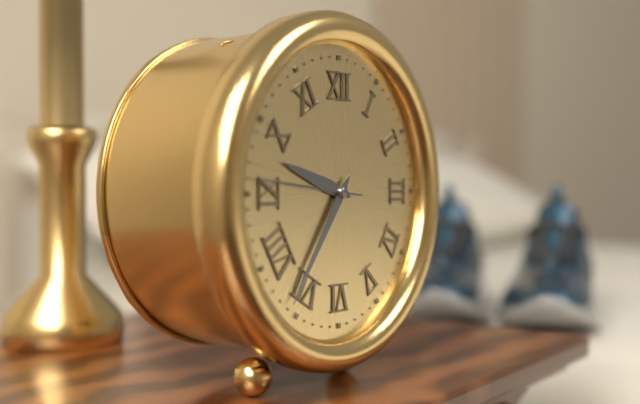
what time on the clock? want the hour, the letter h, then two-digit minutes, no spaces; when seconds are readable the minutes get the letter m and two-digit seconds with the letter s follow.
9h36m46s
